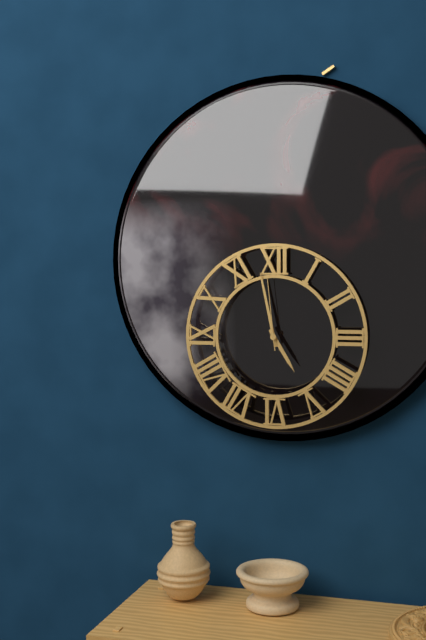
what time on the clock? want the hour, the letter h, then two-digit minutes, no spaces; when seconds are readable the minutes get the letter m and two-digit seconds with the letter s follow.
4h58m59s
